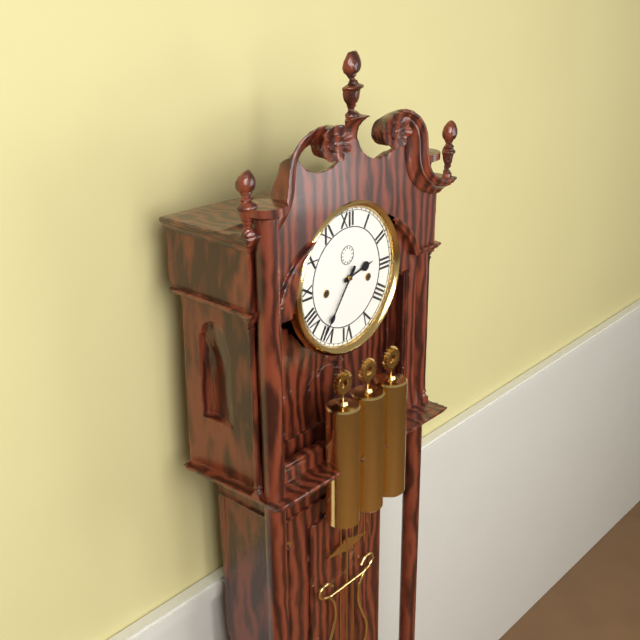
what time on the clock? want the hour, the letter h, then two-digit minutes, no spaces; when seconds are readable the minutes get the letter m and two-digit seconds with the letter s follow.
2h36
